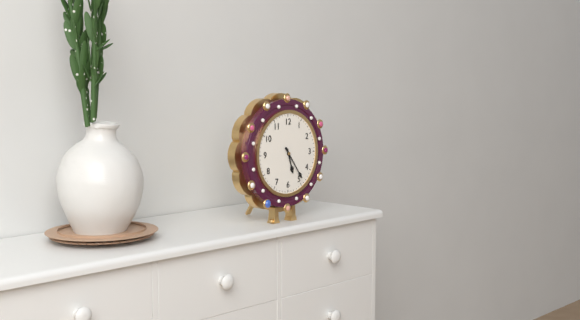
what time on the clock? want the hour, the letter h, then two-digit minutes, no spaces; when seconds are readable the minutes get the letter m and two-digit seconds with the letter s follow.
5h24
